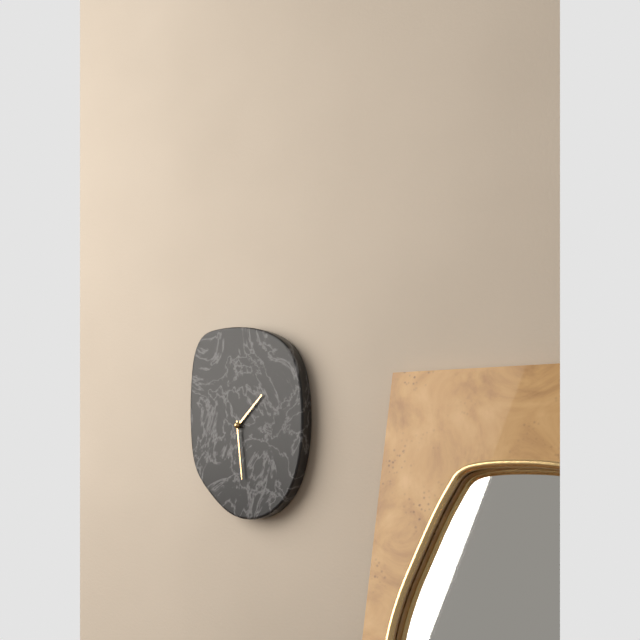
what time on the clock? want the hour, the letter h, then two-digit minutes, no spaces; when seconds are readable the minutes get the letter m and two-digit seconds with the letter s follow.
1h29
